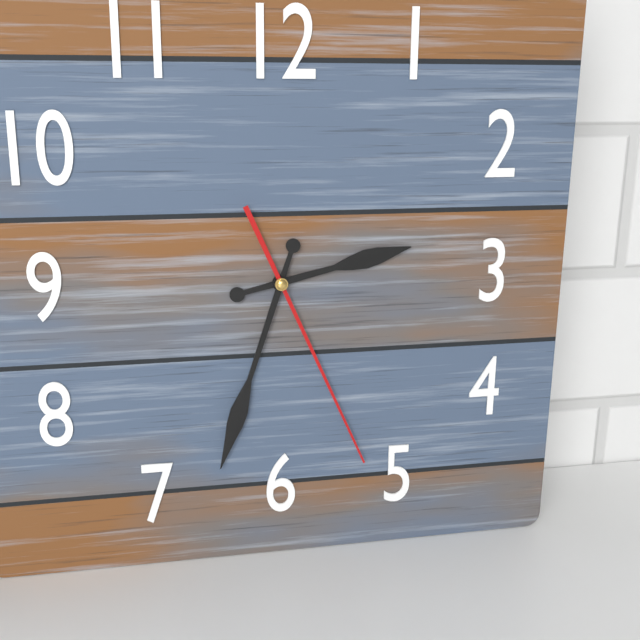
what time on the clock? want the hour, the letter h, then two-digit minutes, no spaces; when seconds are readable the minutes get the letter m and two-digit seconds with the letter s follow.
2h33m26s
